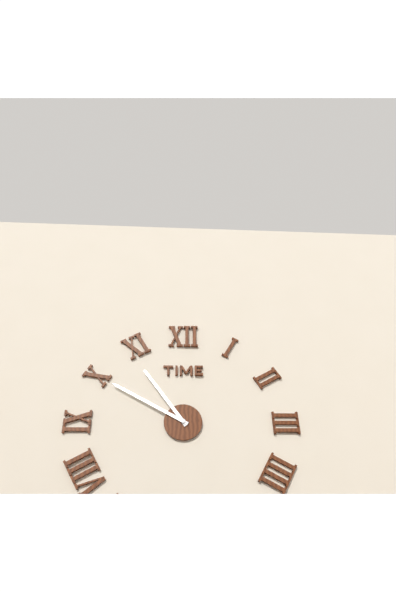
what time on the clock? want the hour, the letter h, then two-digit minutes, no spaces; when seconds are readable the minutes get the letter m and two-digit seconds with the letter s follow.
10h50
